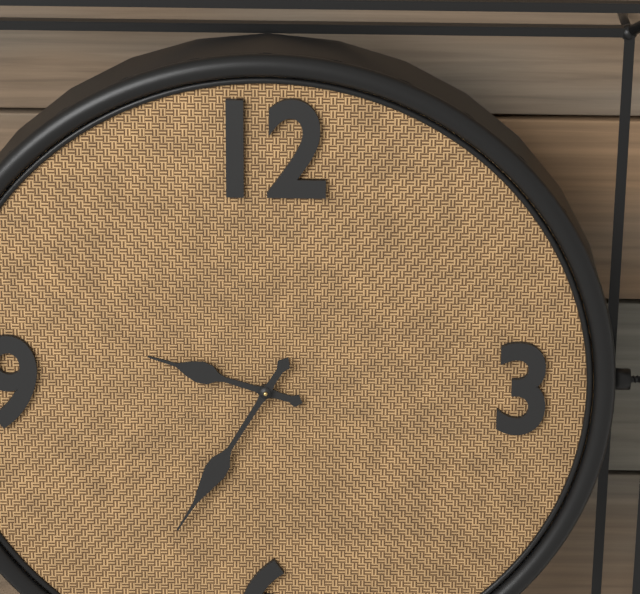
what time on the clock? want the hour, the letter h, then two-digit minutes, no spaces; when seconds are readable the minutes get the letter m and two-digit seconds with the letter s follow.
9h35
